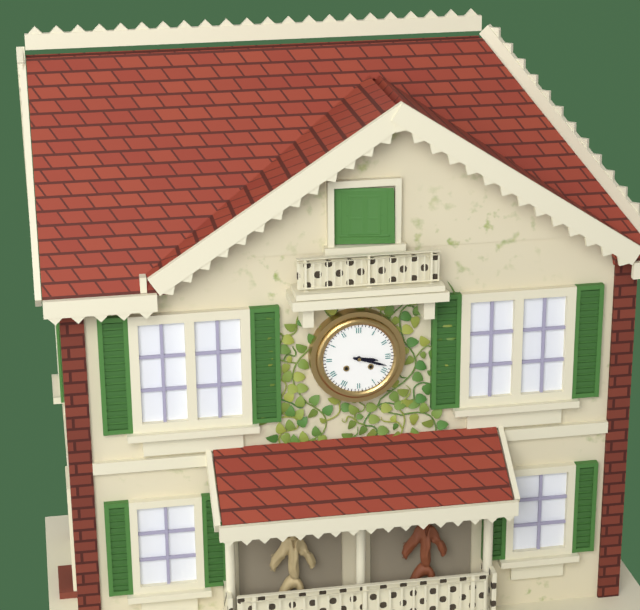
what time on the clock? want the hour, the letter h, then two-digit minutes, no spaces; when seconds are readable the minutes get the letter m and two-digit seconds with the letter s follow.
3h18
